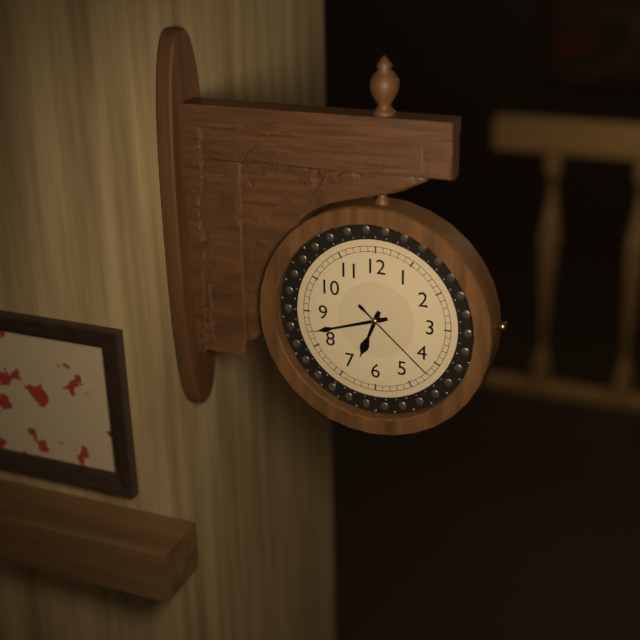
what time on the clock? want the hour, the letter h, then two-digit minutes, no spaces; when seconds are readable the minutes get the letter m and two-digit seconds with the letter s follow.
6h42m22s
